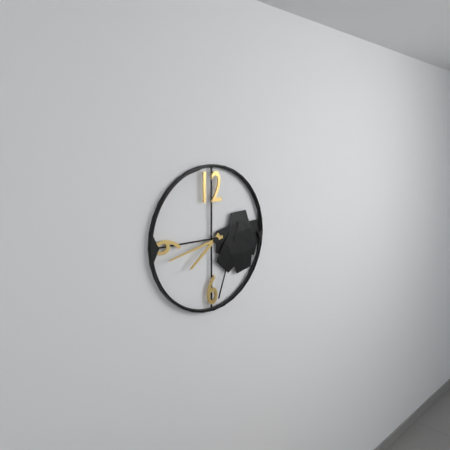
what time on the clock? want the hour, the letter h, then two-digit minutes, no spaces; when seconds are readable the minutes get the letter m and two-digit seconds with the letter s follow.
7h43
